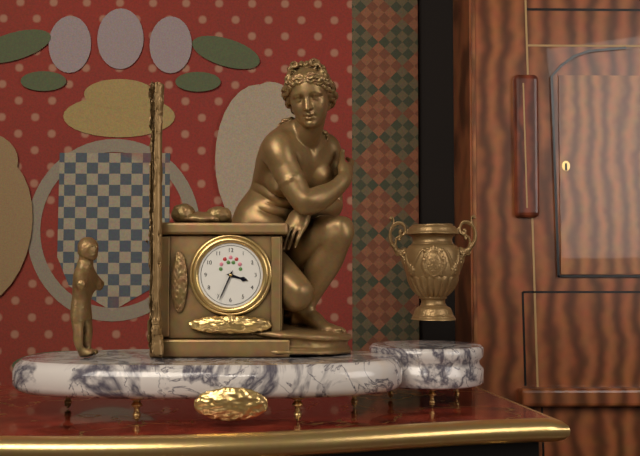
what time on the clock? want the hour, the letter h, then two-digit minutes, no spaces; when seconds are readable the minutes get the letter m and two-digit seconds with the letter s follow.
3h34
